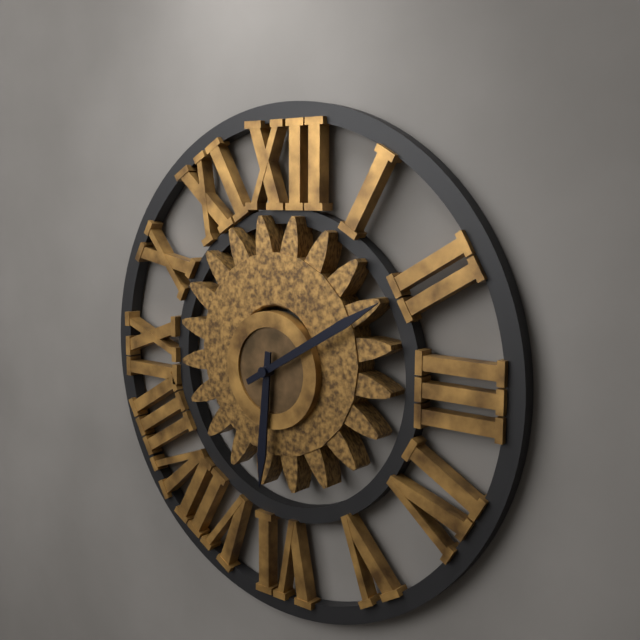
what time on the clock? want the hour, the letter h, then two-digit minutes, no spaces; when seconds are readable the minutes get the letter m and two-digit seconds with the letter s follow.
6h10
